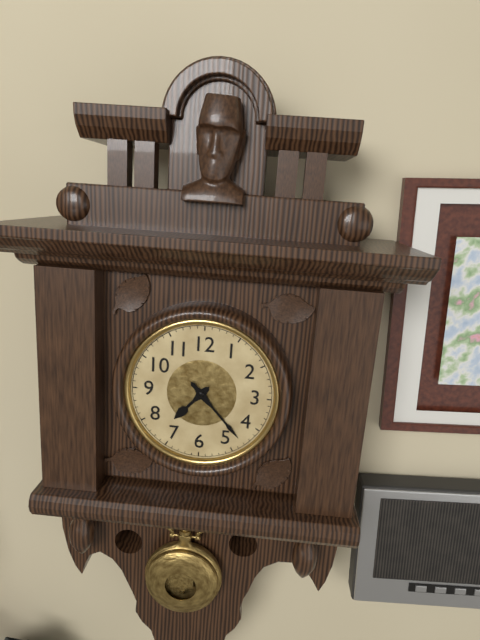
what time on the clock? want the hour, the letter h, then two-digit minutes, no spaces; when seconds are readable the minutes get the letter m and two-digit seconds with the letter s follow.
7h23
